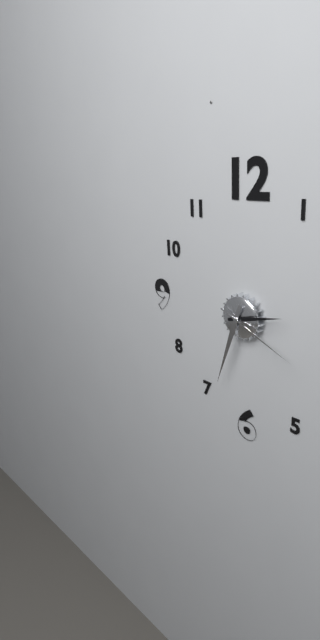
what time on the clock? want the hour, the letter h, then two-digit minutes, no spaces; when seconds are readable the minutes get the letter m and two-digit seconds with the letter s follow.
2h33m19s
